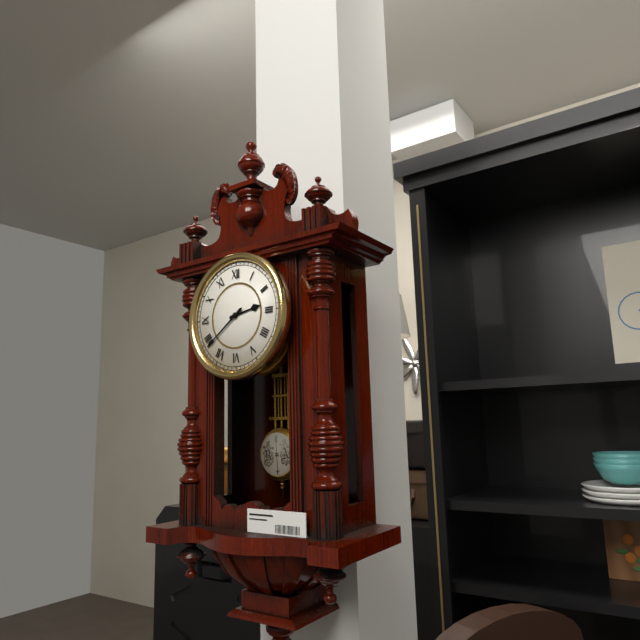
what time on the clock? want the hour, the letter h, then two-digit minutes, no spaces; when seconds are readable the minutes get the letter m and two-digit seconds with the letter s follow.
2h39
